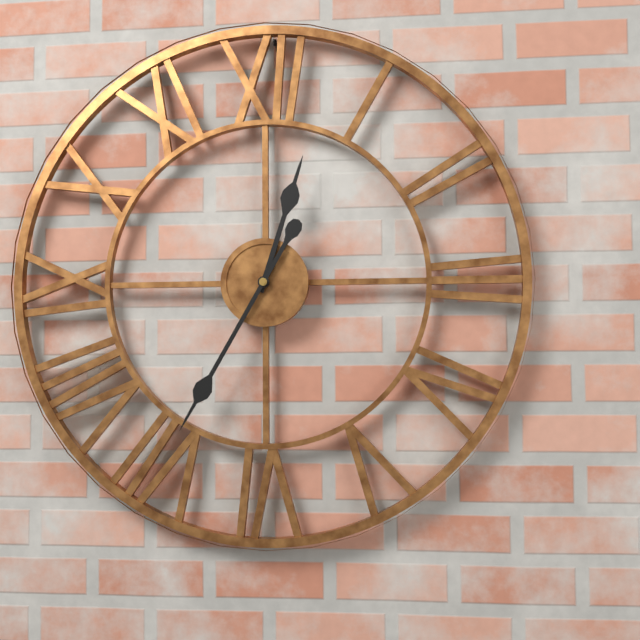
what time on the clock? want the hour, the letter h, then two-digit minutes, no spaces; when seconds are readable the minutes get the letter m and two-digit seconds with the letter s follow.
12h35
